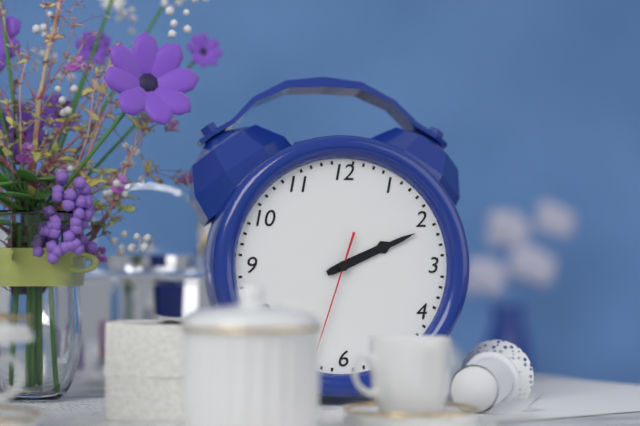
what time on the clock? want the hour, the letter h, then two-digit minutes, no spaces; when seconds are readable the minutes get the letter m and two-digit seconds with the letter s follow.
2h11m33s
